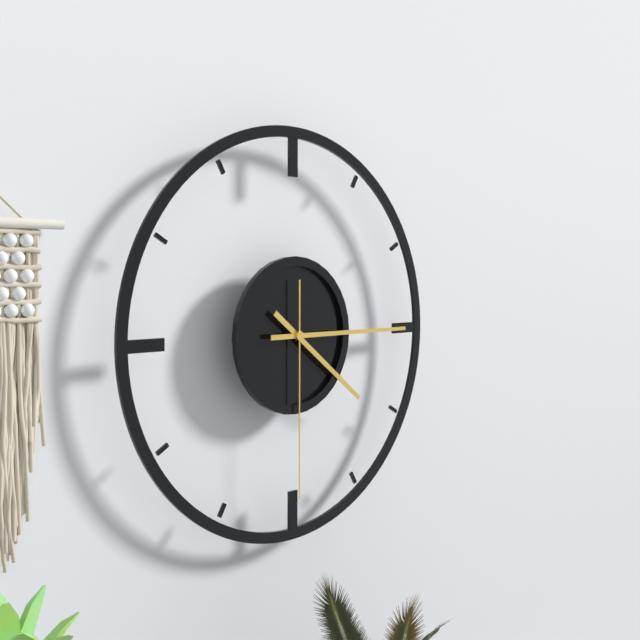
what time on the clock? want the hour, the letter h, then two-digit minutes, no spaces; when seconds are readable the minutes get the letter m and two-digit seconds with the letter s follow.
4h15m30s
